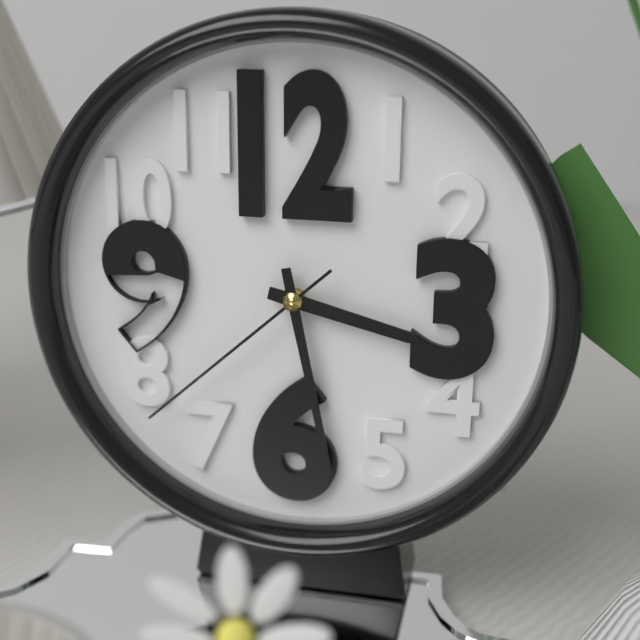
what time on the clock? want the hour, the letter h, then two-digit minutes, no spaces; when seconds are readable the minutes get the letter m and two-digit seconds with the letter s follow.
3h28m38s
